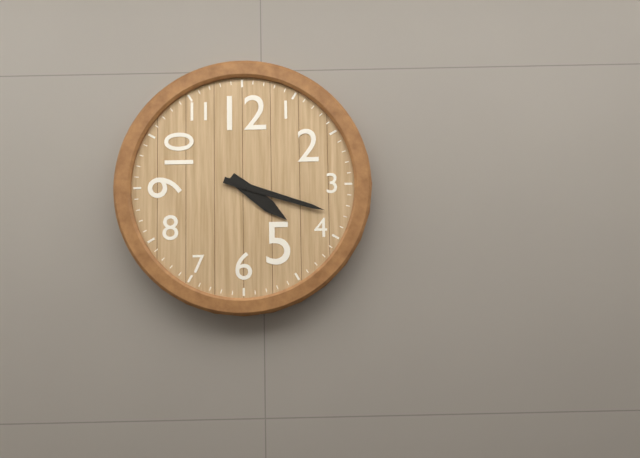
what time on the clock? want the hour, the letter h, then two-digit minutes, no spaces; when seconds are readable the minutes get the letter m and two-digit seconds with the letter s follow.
4h18
